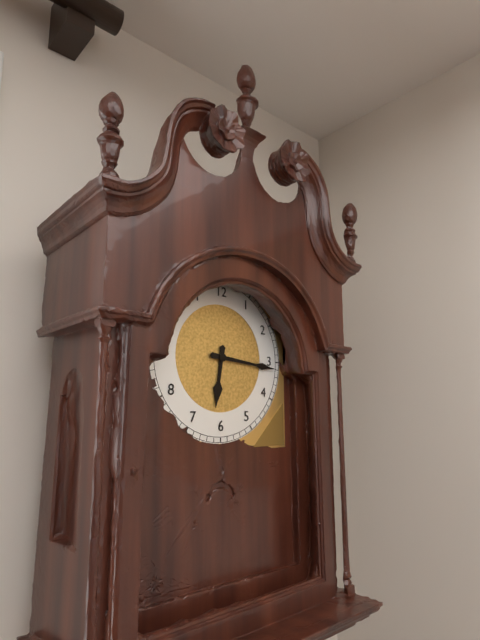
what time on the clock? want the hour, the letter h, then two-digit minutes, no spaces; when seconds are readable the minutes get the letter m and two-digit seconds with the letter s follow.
6h16
